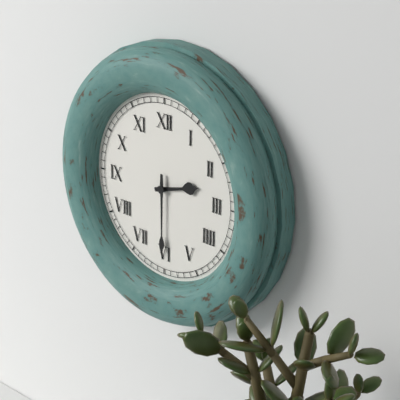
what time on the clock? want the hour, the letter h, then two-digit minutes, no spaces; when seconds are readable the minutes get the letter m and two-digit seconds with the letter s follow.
2h30
